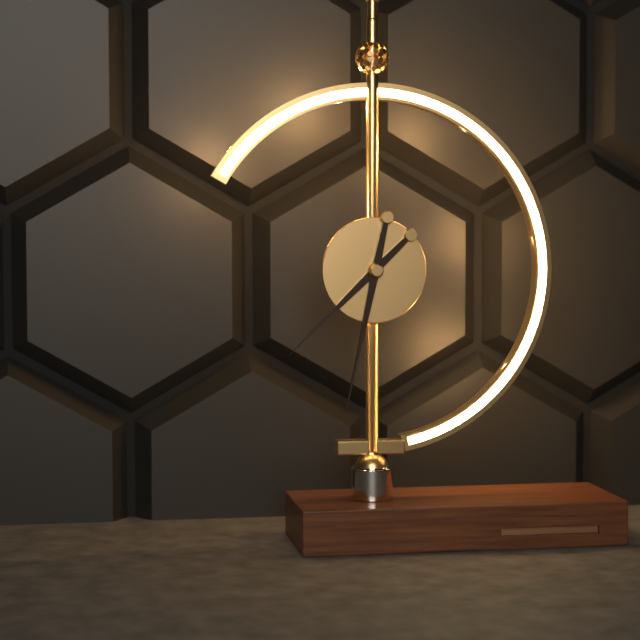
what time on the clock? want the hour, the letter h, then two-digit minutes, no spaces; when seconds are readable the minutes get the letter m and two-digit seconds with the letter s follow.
7h32
